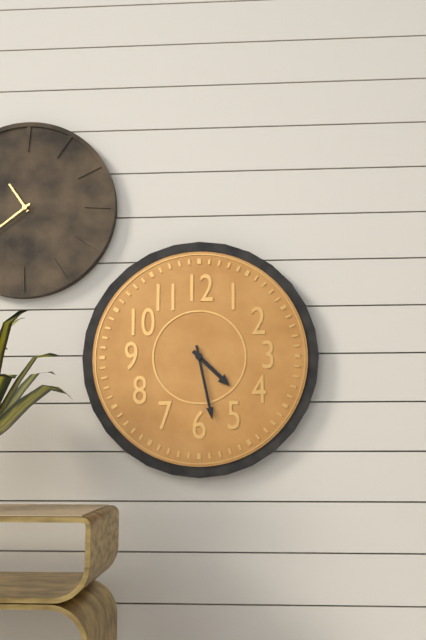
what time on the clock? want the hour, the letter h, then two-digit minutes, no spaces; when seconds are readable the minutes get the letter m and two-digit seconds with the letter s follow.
4h28
